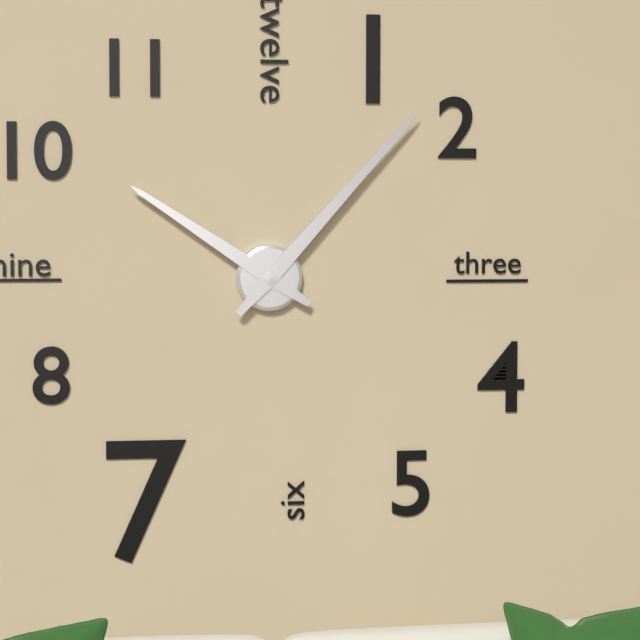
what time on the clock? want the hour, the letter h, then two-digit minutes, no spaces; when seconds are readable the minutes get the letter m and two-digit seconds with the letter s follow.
10h07
